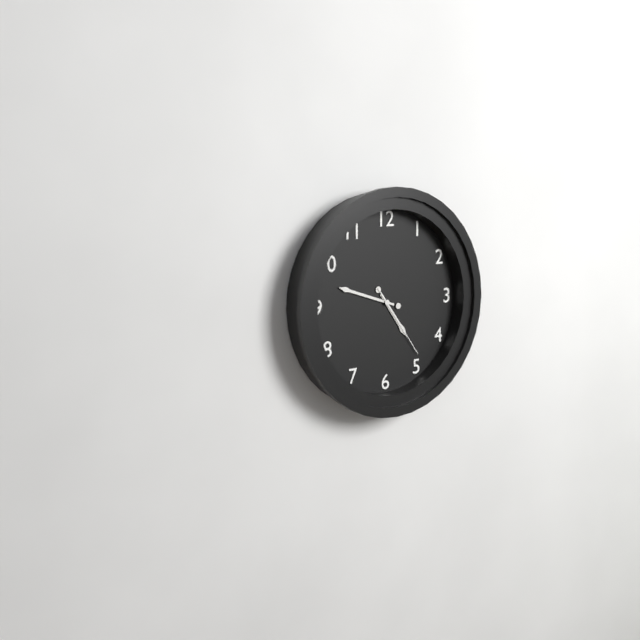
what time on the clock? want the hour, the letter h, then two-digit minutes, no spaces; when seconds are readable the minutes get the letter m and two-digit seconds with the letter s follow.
4h48m24s
